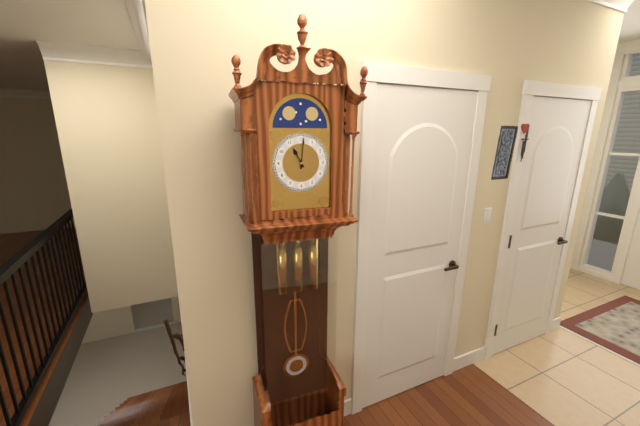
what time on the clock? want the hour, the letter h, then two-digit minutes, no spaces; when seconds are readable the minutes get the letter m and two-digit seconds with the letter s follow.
11h01
